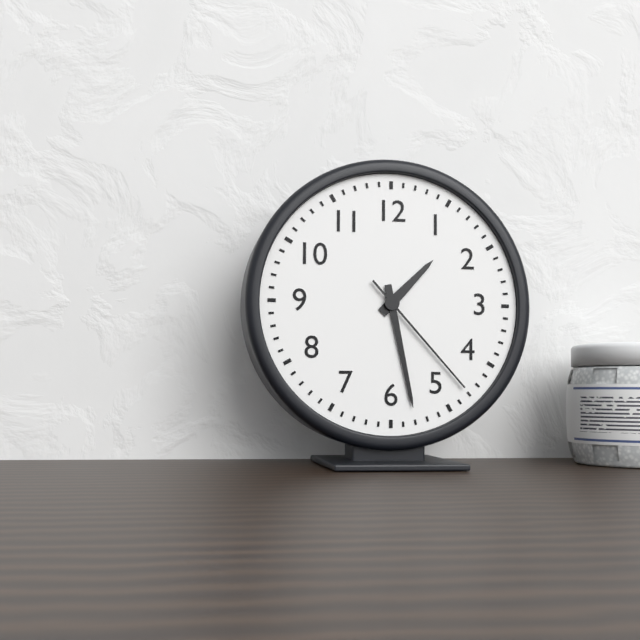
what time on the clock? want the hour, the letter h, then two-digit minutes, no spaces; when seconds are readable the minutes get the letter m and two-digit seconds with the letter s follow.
1h28m23s
